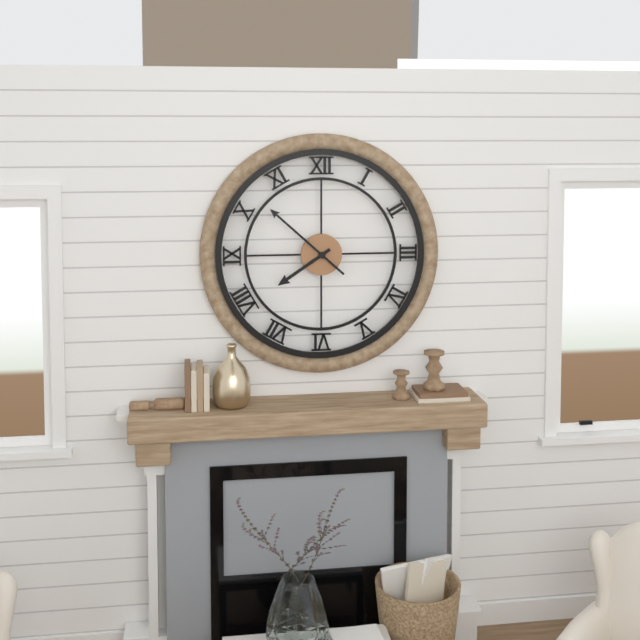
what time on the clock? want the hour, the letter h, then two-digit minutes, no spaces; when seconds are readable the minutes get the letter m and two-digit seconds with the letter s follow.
7h52
